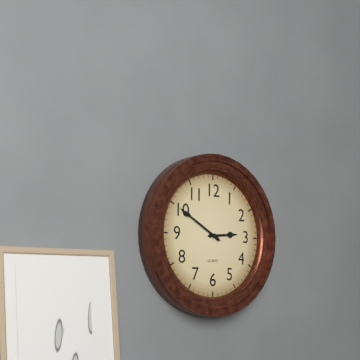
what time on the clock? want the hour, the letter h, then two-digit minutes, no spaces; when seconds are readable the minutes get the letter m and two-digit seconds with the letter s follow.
2h50
